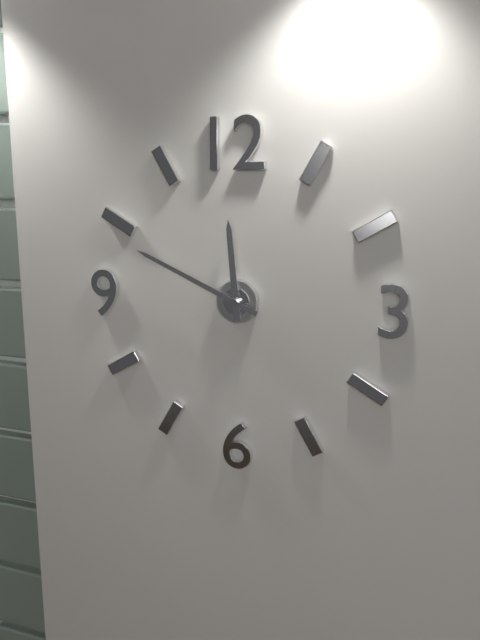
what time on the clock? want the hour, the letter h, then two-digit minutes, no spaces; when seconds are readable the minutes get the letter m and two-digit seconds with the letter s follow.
11h49
